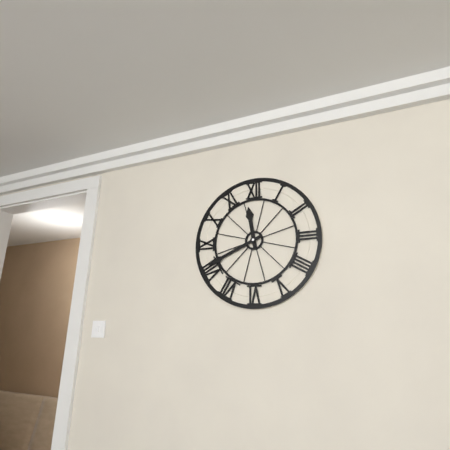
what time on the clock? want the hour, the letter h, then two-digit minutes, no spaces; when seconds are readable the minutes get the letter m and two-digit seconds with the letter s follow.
11h41
